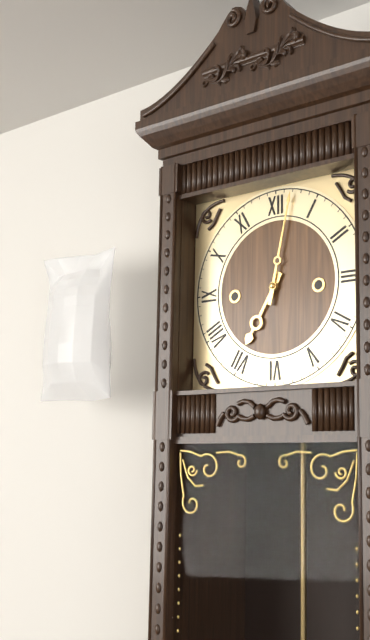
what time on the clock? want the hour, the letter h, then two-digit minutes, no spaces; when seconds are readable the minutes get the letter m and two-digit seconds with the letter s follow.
7h02
